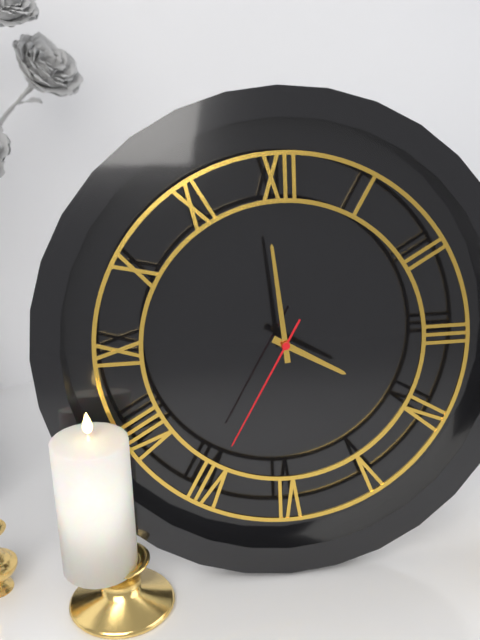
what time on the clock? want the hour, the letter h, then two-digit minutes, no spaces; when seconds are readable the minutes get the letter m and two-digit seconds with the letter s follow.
3h59m35s
